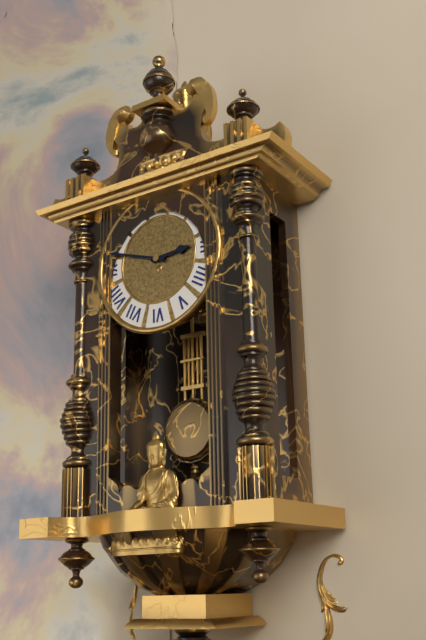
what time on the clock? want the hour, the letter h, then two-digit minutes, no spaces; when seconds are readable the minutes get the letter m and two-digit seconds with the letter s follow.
2h48
